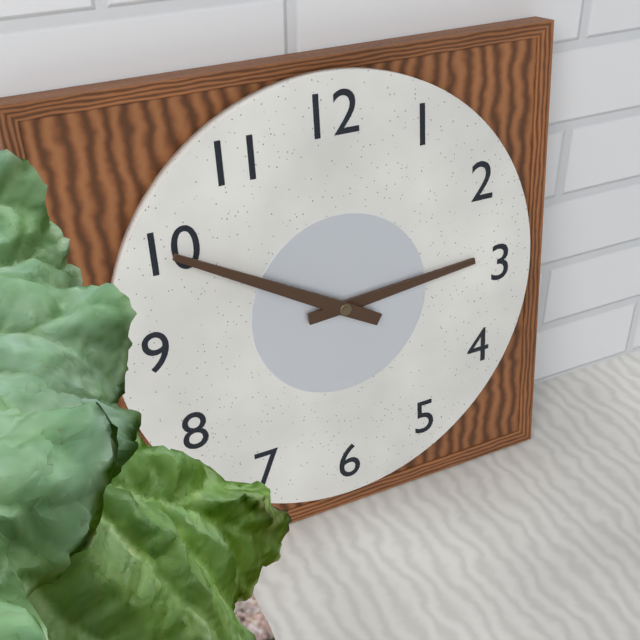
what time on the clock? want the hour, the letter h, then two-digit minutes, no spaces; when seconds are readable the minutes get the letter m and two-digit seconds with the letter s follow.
2h50
